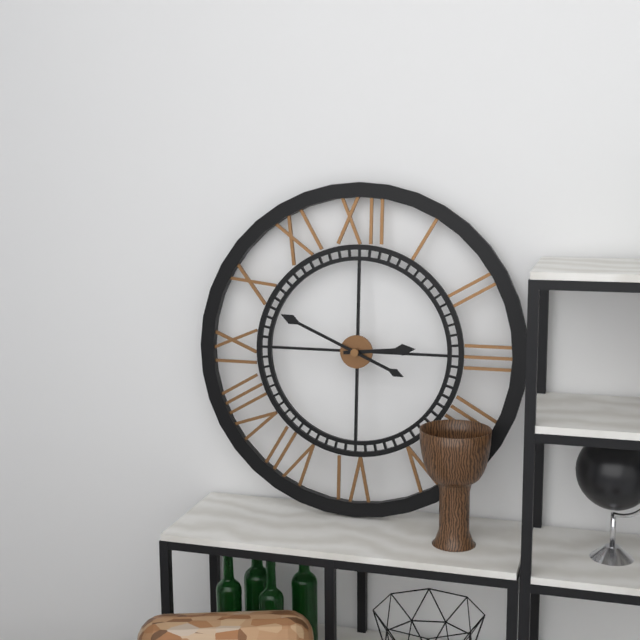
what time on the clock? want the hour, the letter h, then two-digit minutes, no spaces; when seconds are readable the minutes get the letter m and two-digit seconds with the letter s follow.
2h49
